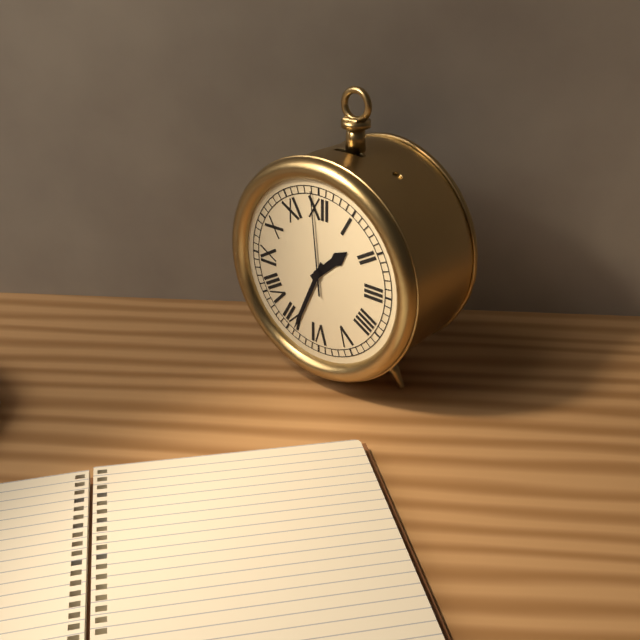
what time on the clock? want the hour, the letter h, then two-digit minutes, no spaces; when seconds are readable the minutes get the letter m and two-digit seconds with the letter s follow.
1h34m59s
